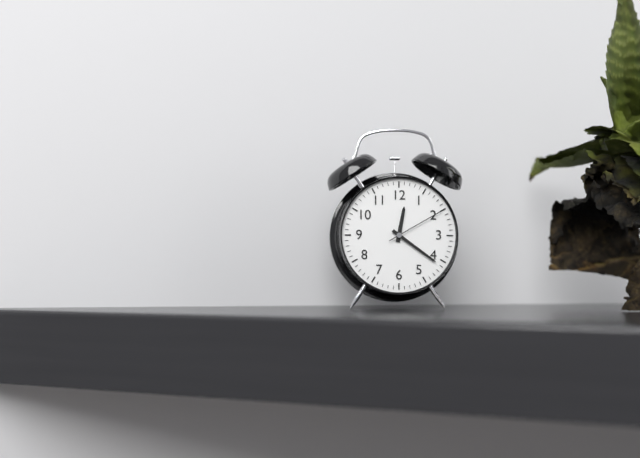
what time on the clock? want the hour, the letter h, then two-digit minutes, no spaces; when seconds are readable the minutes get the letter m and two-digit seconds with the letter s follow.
12h21m10s
